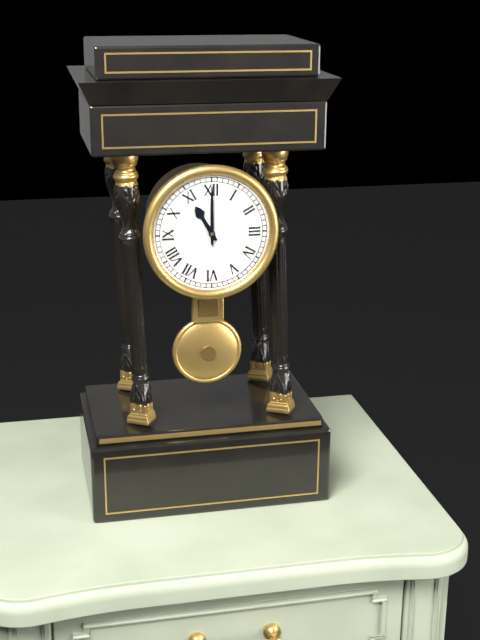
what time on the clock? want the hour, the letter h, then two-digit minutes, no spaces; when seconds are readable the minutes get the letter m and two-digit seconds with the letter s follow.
11h00
